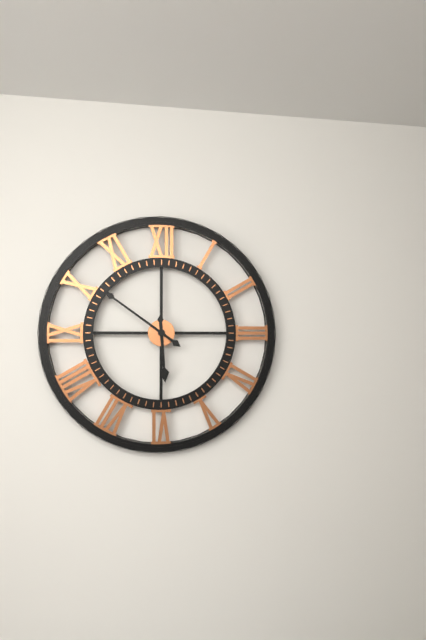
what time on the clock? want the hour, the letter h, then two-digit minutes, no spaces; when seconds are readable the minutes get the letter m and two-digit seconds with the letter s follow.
5h51
